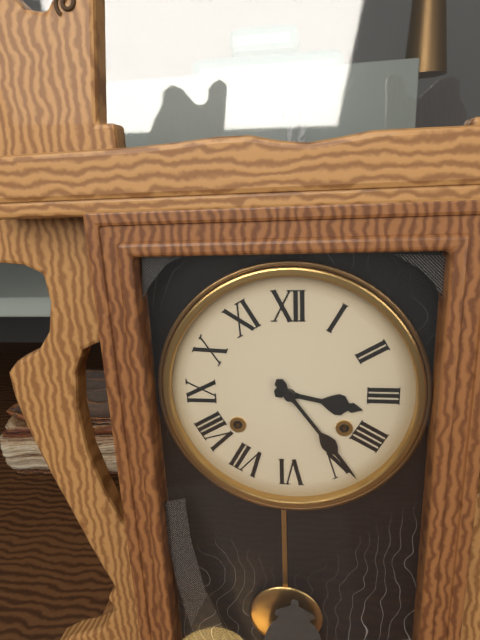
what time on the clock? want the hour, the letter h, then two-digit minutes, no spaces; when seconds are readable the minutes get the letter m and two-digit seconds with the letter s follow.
3h24
